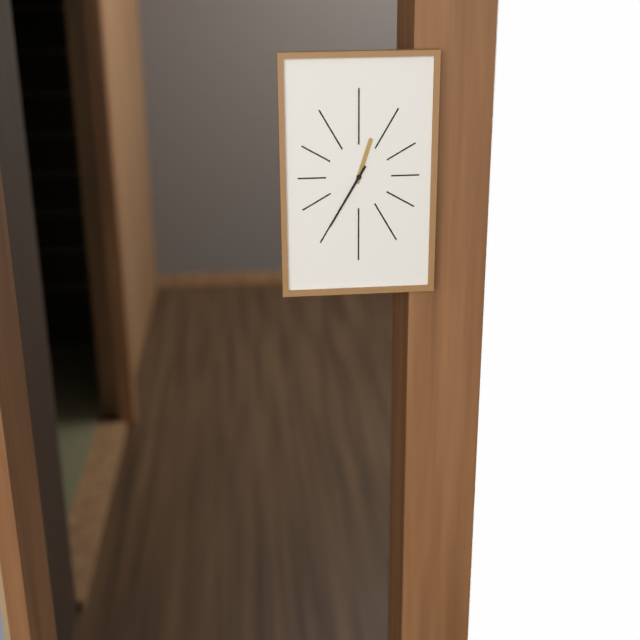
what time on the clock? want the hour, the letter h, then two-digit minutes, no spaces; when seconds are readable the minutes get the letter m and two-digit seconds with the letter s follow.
12h35
